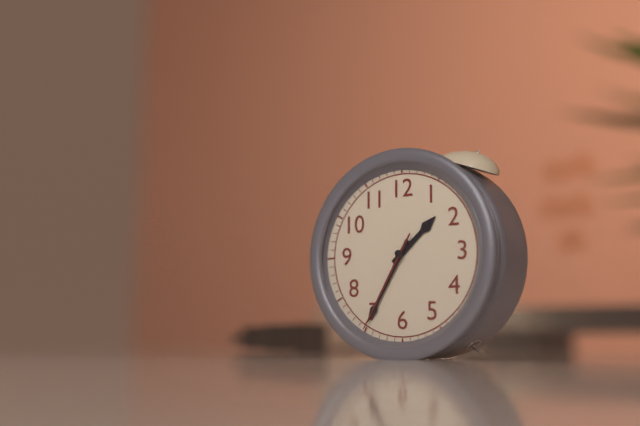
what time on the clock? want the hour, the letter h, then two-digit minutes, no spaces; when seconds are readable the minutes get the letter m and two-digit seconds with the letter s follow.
1h35m35s
